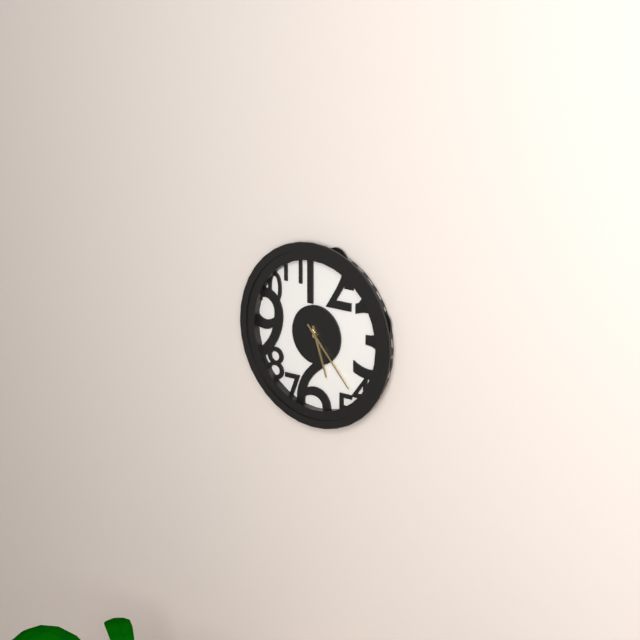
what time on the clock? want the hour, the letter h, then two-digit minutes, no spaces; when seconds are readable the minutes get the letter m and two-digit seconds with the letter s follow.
5h23
